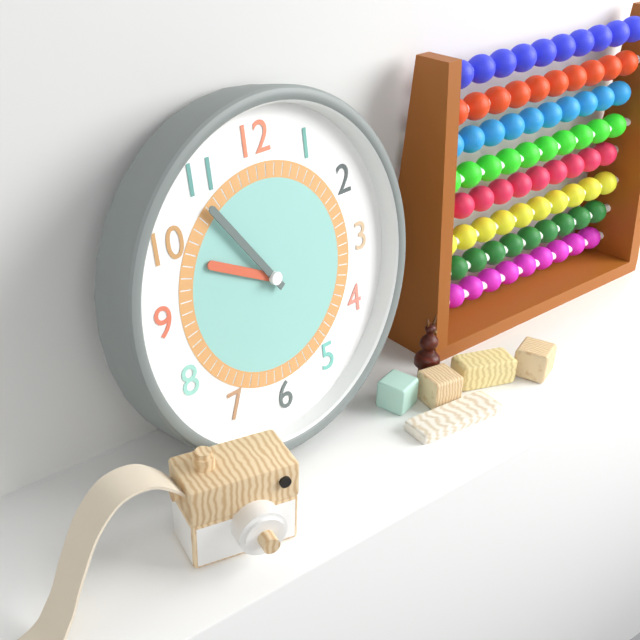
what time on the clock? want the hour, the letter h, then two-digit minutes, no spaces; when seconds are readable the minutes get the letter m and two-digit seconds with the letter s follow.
9h54
